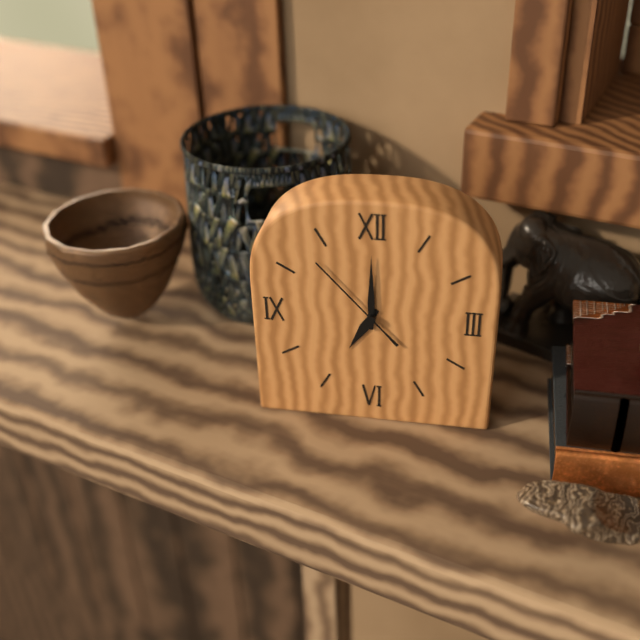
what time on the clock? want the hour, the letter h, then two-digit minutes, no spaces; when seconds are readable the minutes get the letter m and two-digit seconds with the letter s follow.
7h00m53s
